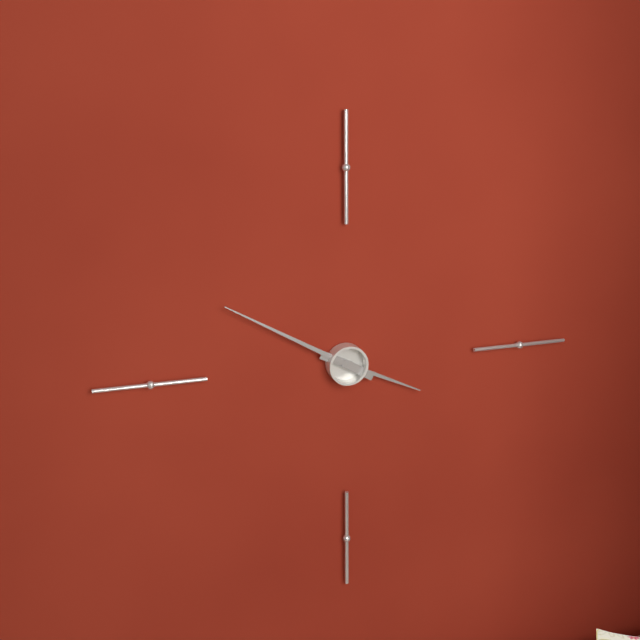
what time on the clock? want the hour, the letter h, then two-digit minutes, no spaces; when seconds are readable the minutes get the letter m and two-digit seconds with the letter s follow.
3h50
